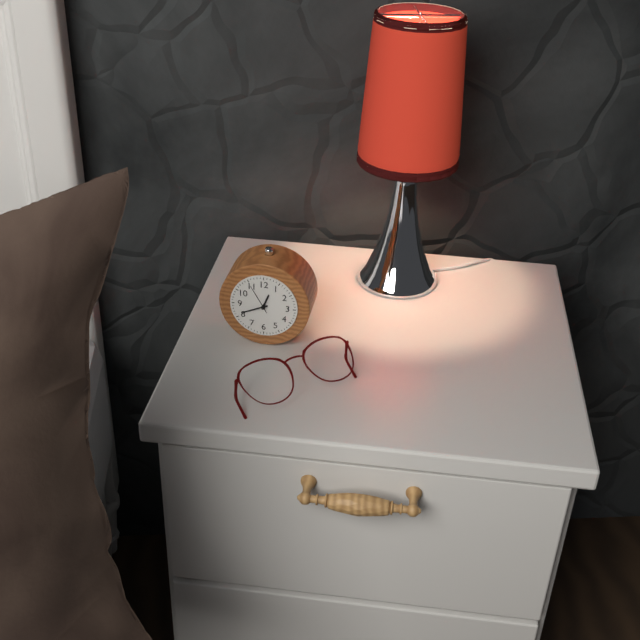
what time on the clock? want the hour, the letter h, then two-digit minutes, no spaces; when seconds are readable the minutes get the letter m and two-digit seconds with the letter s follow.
12h41
